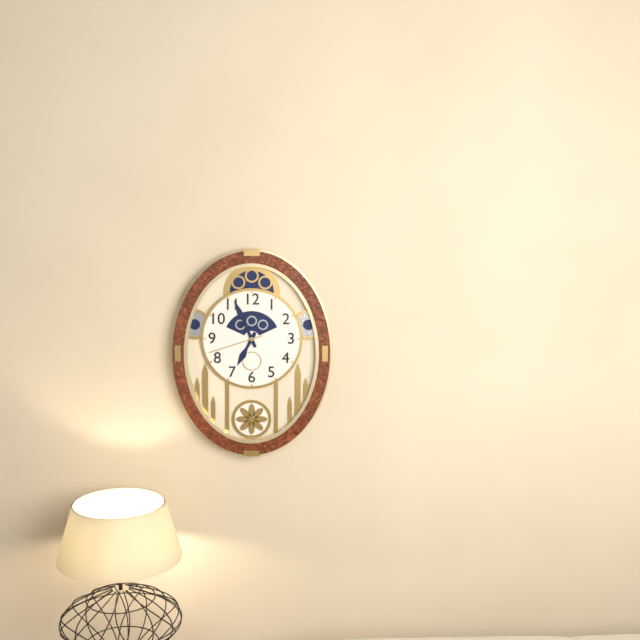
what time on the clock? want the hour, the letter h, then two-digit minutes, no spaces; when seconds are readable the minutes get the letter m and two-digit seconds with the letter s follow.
6h56m42s
